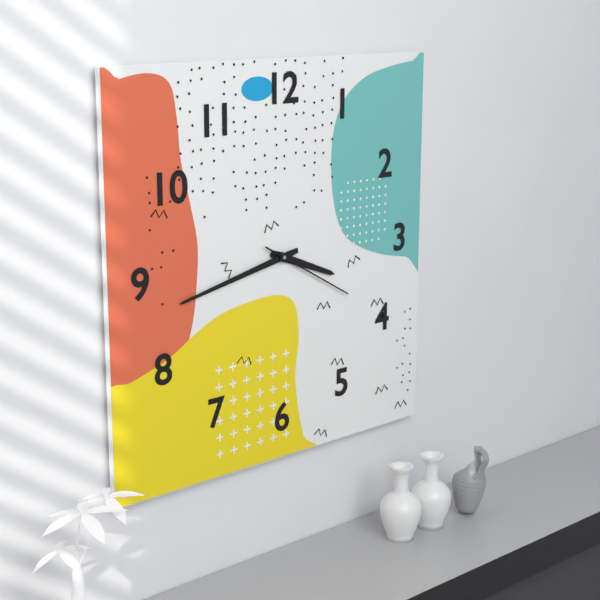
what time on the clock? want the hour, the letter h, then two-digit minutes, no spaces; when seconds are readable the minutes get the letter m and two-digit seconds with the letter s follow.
3h43m20s
